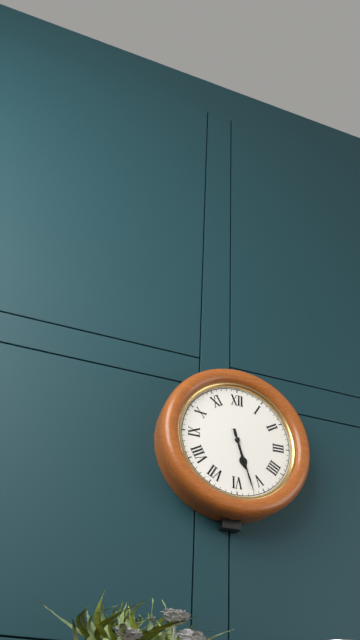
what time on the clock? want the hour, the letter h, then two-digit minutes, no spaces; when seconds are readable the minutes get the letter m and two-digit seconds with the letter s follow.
5h27
